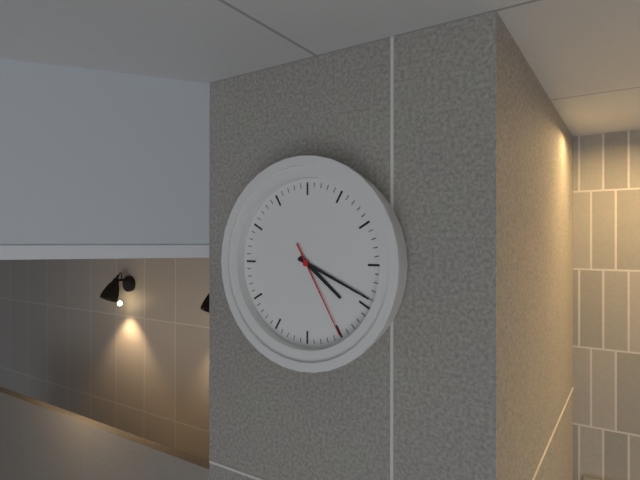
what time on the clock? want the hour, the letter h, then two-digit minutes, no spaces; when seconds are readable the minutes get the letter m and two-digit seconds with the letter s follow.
4h19m25s
